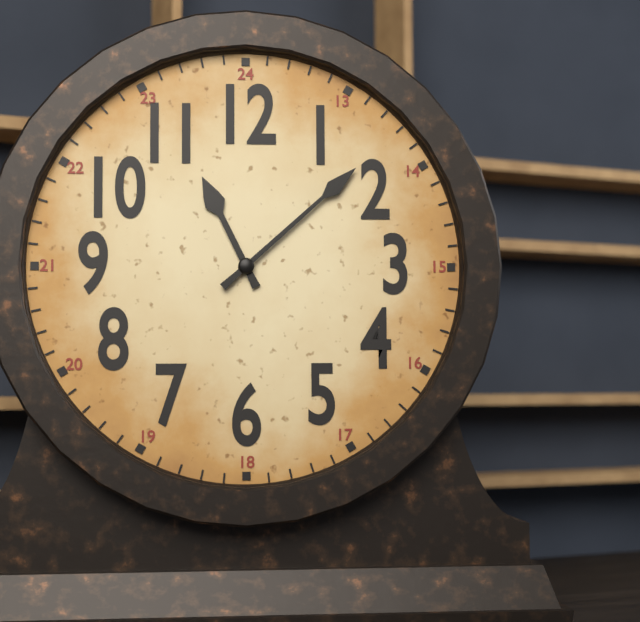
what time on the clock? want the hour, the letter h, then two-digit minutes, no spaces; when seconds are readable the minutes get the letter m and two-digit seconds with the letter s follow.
11h08
